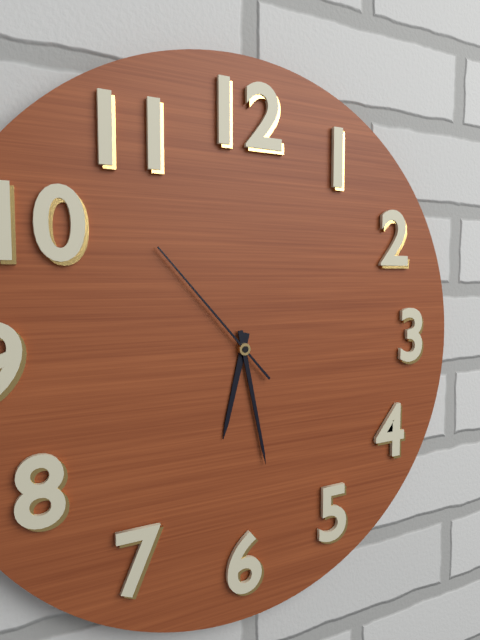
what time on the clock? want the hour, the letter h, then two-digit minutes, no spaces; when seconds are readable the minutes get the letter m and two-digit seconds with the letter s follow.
6h28m53s
